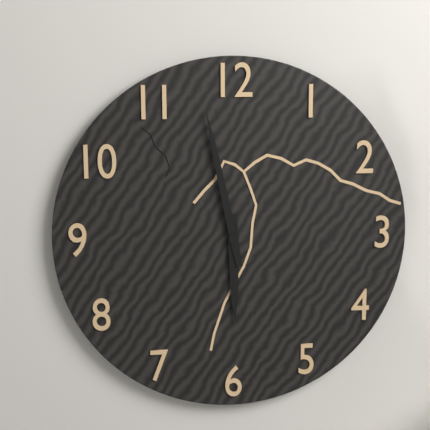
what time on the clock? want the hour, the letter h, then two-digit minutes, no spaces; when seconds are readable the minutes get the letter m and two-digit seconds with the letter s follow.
5h58
